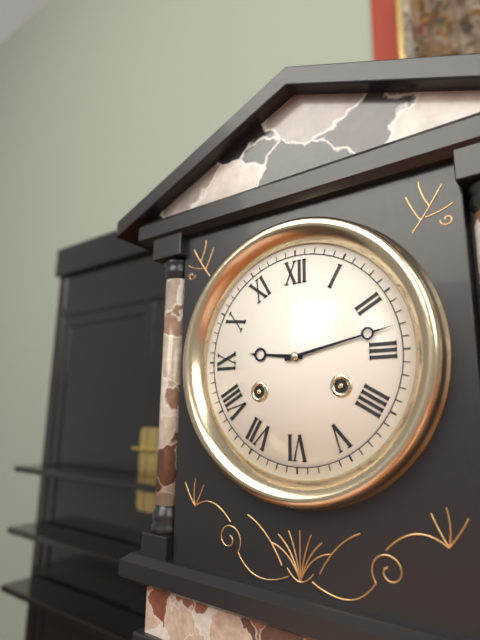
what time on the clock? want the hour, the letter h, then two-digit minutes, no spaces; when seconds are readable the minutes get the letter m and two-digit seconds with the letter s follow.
9h13
